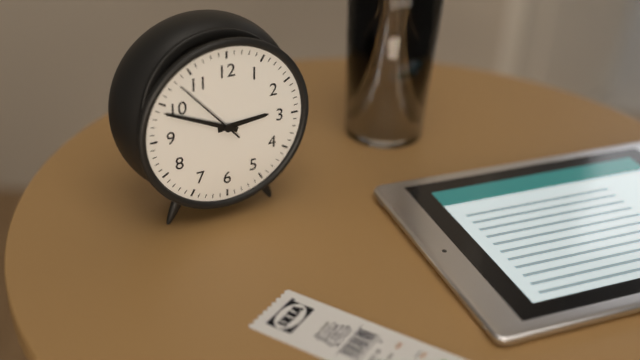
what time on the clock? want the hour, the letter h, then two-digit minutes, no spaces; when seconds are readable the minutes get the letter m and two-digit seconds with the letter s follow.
2h49m53s
